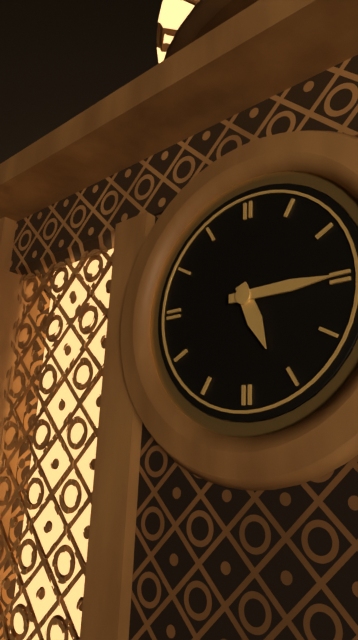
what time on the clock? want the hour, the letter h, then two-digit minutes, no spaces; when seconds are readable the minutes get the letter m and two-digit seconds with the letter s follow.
5h15
